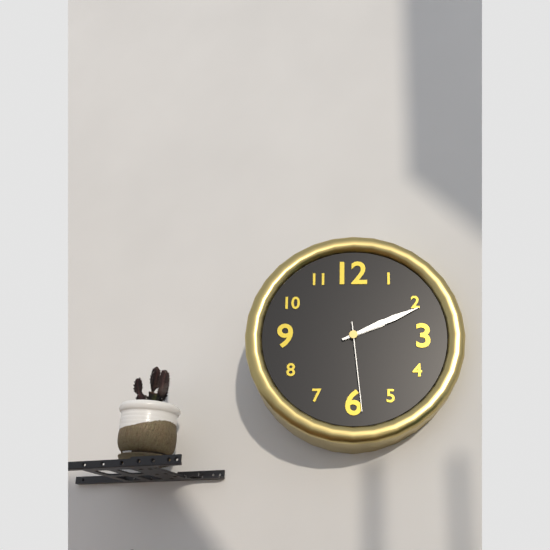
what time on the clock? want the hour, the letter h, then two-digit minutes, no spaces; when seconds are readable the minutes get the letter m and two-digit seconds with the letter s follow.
2h11m29s
